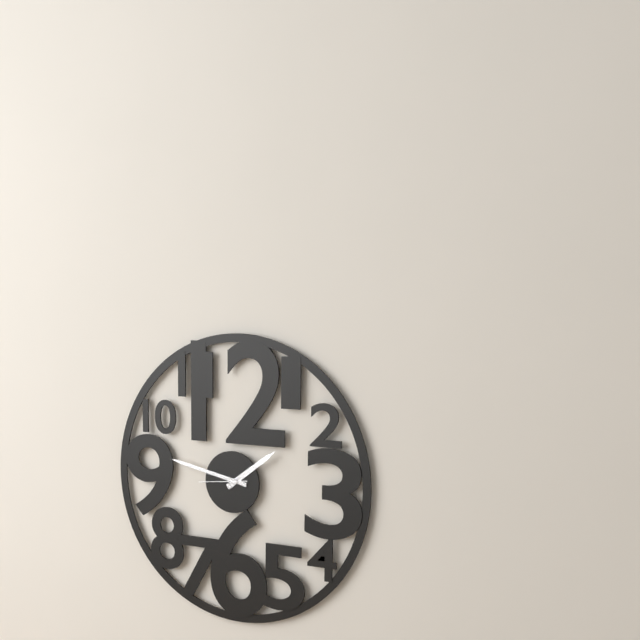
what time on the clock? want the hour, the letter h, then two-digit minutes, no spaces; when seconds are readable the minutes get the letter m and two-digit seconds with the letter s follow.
1h47
